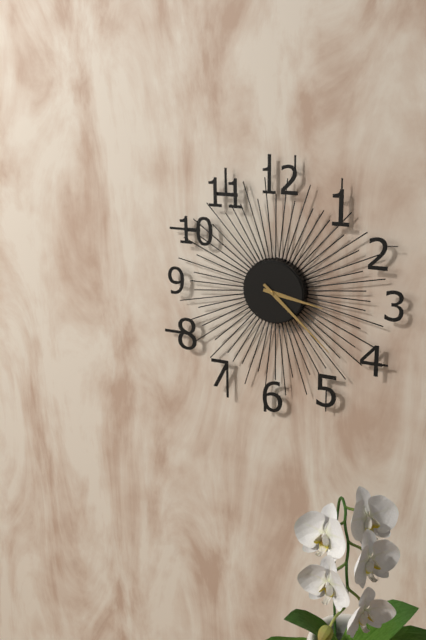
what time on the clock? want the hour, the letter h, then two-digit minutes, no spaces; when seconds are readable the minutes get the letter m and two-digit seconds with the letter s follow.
3h22
